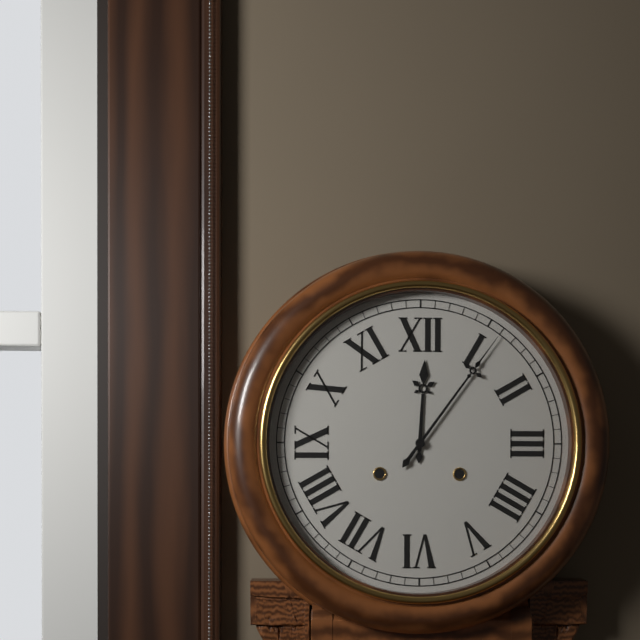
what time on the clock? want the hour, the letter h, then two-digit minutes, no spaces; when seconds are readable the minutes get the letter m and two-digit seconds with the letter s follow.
12h06
